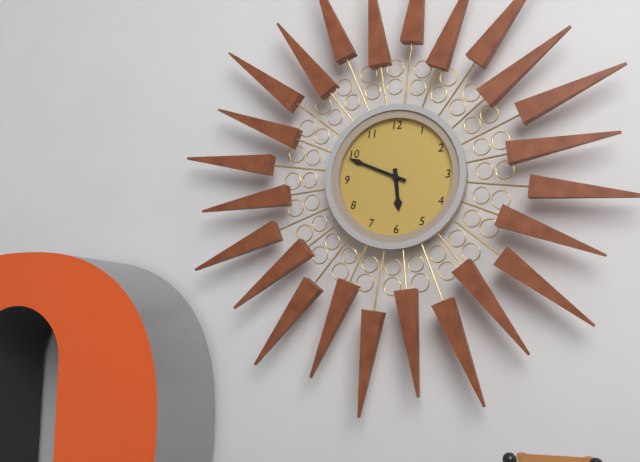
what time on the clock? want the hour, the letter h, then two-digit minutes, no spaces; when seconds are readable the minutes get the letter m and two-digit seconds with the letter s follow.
5h49
